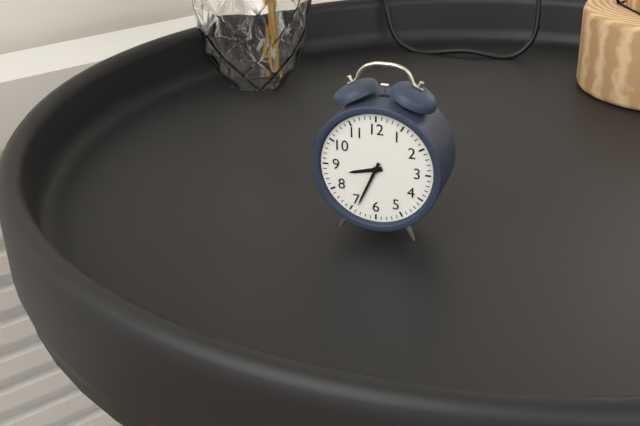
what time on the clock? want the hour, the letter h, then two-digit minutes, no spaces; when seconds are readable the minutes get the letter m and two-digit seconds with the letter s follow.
8h34
